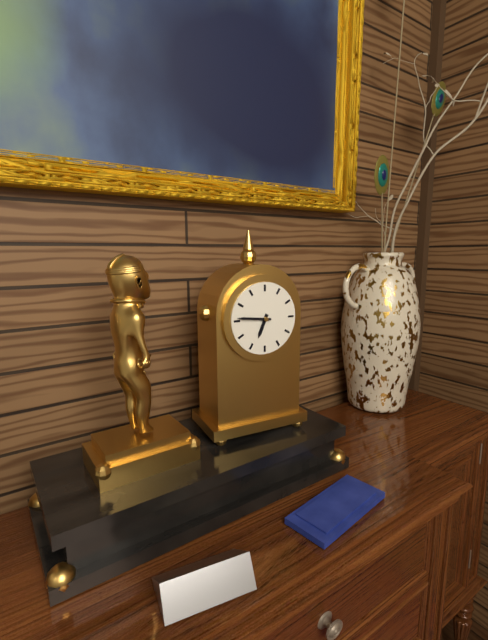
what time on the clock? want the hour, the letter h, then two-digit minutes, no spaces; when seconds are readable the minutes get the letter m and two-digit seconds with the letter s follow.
6h46
